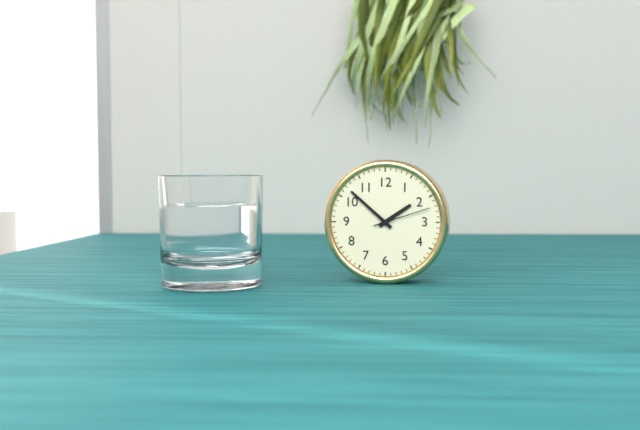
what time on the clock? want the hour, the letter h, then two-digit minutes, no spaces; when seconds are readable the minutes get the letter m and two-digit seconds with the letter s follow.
1h52m12s
